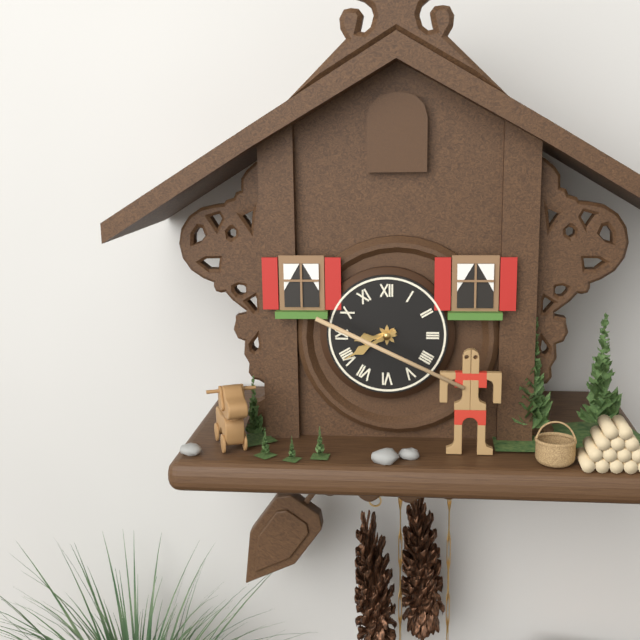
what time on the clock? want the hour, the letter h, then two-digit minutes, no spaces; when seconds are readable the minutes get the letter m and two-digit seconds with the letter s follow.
8h40
